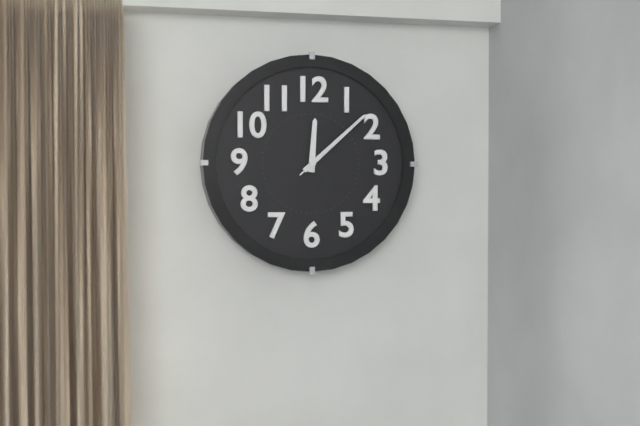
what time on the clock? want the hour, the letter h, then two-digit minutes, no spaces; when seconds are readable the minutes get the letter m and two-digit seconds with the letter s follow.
12h08m08s
